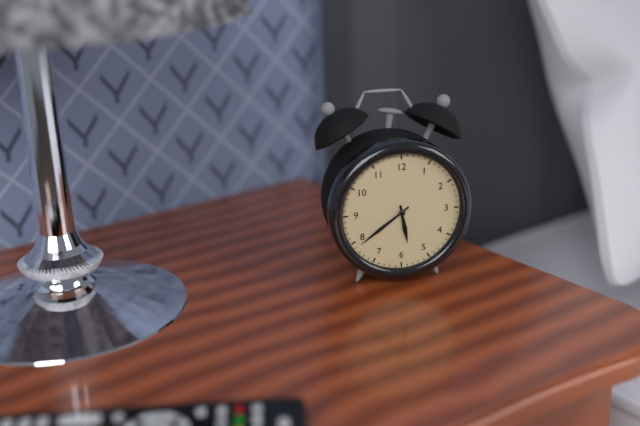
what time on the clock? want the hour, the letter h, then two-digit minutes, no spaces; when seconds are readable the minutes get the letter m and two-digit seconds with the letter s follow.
5h39
